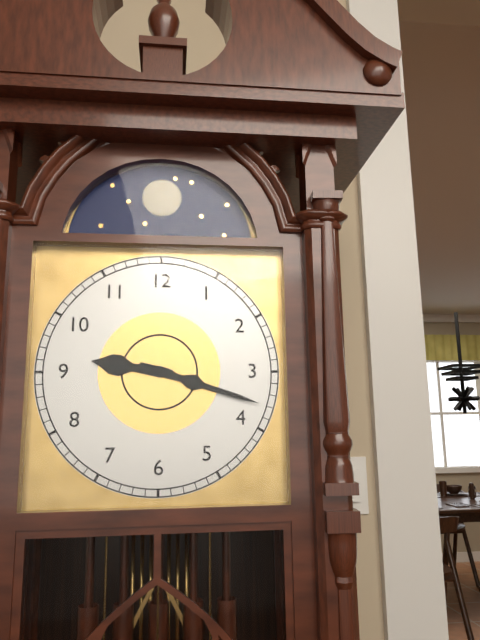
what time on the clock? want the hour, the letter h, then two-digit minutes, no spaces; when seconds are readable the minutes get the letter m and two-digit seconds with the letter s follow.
9h18
